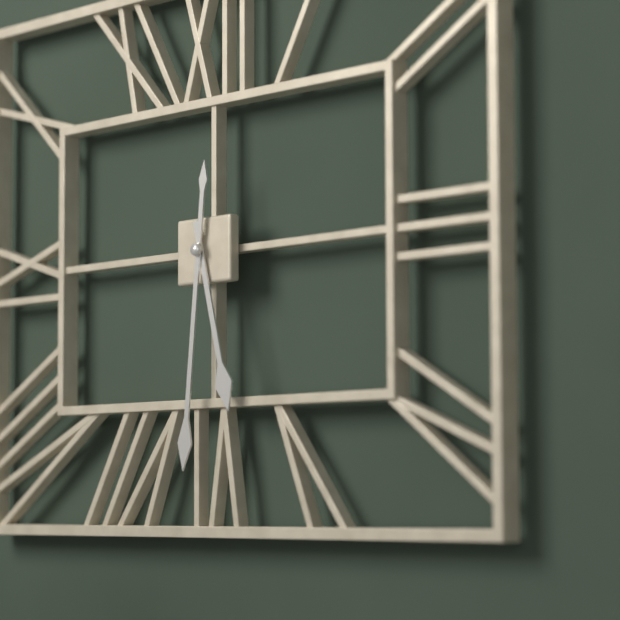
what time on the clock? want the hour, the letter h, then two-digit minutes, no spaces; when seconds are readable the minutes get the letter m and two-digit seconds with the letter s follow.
5h31
